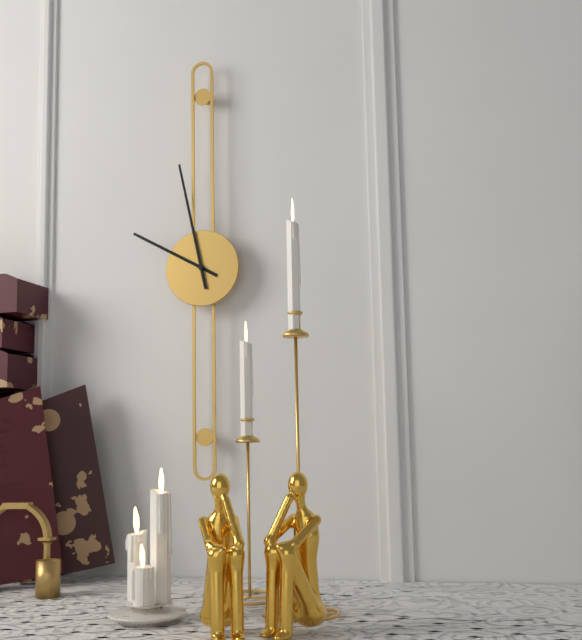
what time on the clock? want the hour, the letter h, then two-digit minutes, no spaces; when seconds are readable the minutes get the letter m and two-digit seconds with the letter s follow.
9h58
